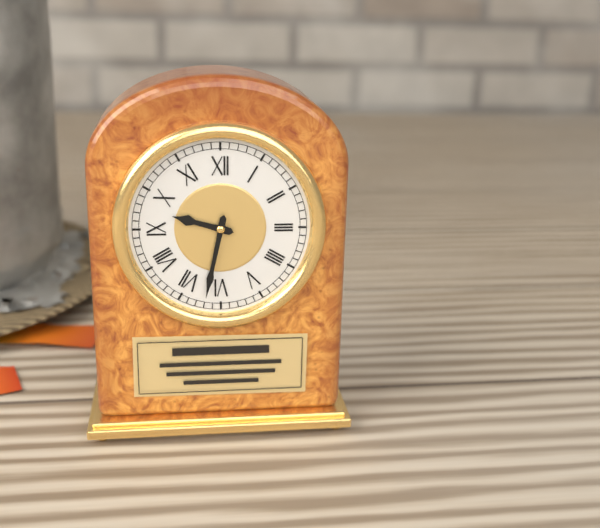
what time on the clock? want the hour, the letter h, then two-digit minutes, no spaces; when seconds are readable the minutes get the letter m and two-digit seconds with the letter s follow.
9h32
